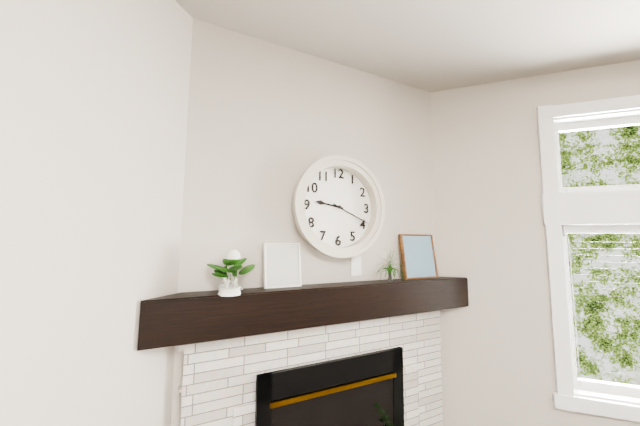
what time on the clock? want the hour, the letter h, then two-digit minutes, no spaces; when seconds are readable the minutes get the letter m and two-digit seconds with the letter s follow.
9h19
